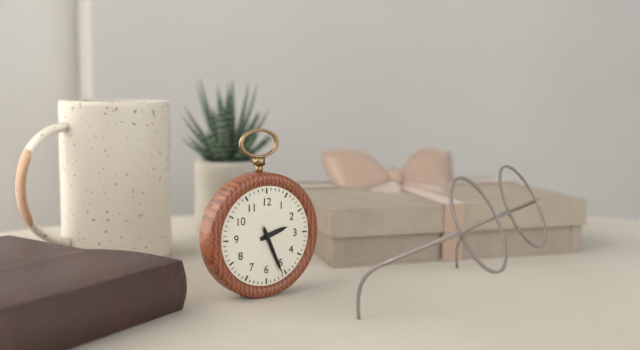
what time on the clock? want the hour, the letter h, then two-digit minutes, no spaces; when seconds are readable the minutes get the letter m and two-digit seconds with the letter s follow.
2h26m26s
